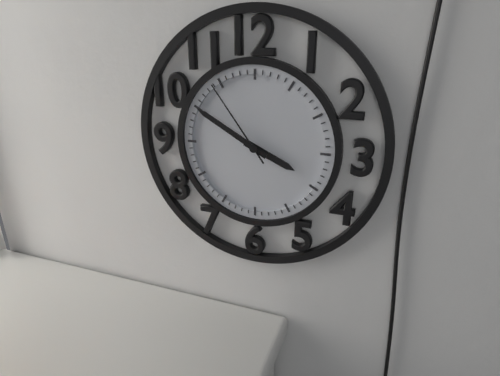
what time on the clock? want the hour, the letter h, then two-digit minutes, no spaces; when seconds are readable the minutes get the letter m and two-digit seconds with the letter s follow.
3h50m54s
